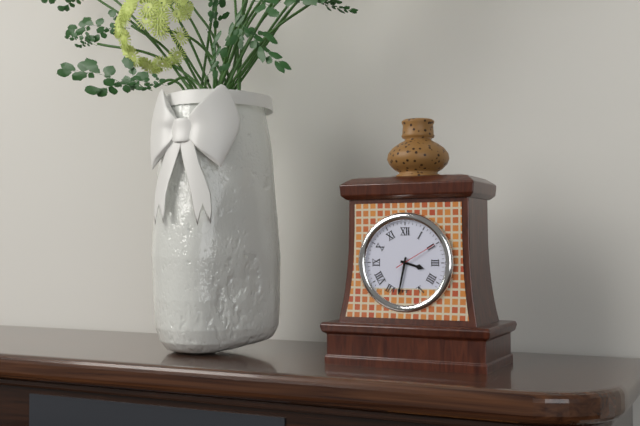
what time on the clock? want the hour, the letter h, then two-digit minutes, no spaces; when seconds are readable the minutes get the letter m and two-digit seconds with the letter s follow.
3h32
